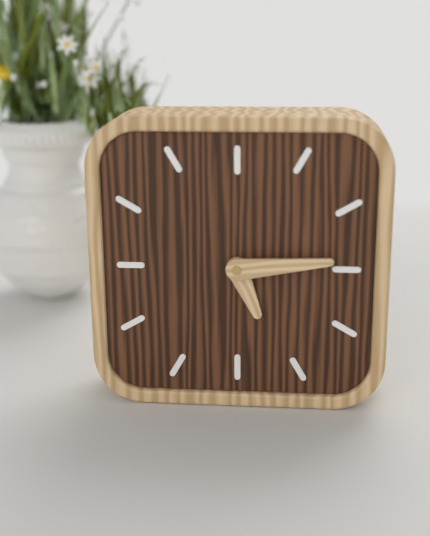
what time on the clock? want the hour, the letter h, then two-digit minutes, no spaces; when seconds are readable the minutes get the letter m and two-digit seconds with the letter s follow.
5h14
